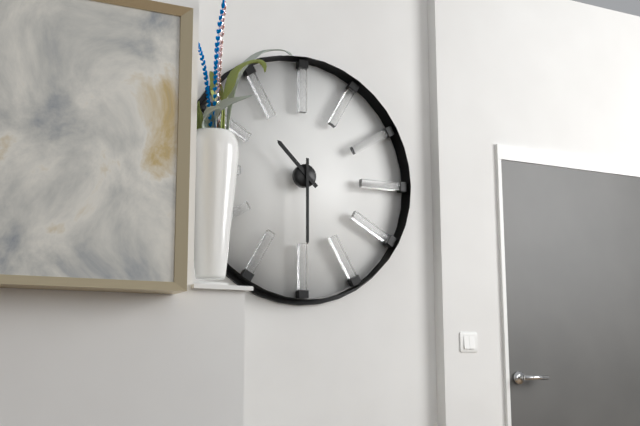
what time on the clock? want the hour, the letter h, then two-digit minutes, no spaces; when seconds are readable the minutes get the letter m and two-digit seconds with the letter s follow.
10h30
